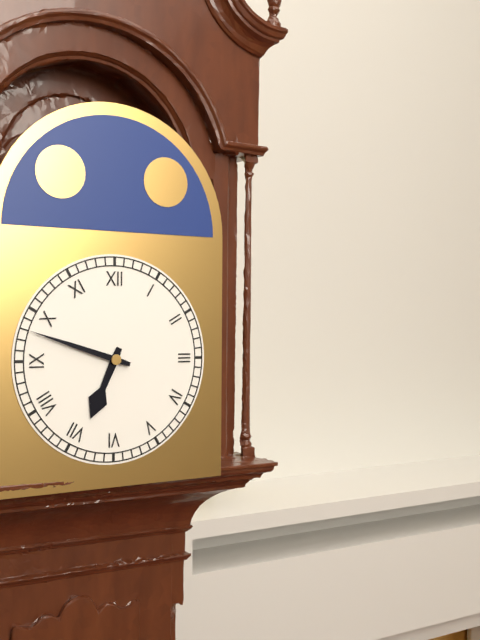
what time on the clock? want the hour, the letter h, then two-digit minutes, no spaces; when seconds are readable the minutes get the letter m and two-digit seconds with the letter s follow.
6h48
